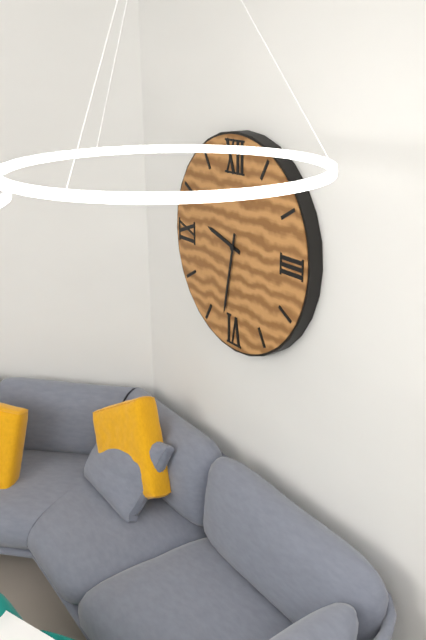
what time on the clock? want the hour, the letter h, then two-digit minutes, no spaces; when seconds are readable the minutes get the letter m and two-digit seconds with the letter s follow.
9h32
